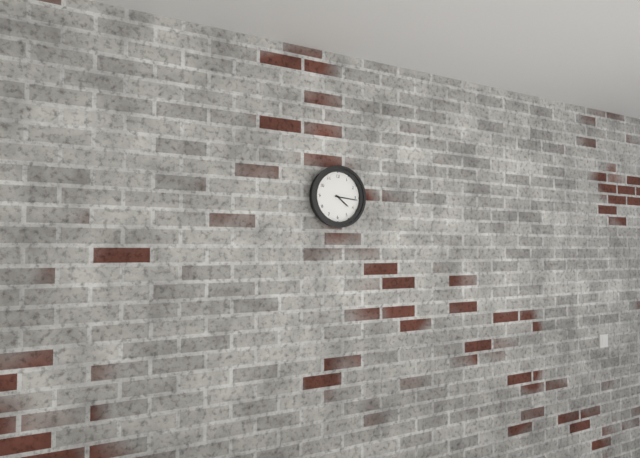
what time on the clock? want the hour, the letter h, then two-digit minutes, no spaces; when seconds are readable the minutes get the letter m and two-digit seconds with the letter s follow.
4h16
